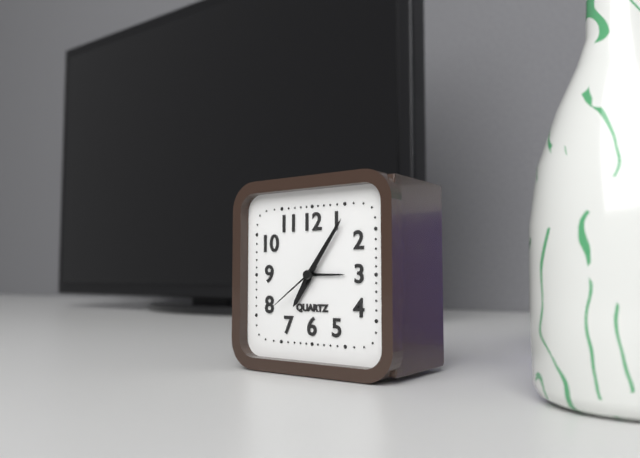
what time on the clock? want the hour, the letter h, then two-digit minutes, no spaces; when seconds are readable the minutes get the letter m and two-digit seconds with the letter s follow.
7h06m39s
